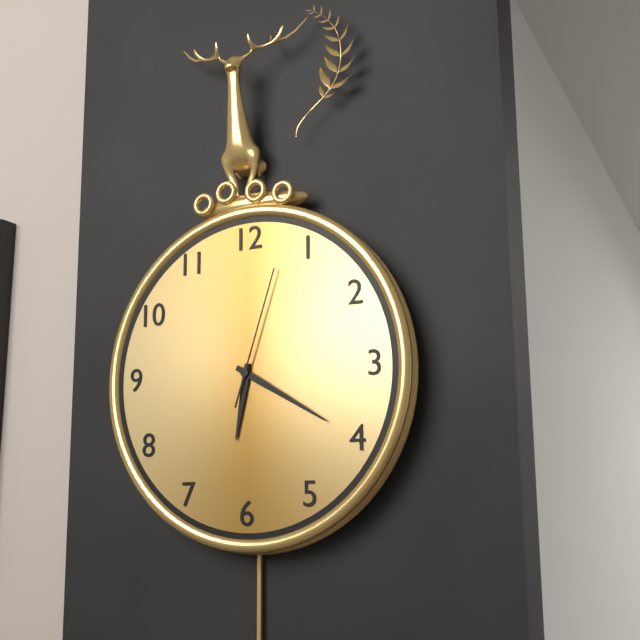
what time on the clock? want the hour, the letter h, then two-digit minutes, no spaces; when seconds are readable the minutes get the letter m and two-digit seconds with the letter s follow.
6h20m03s
